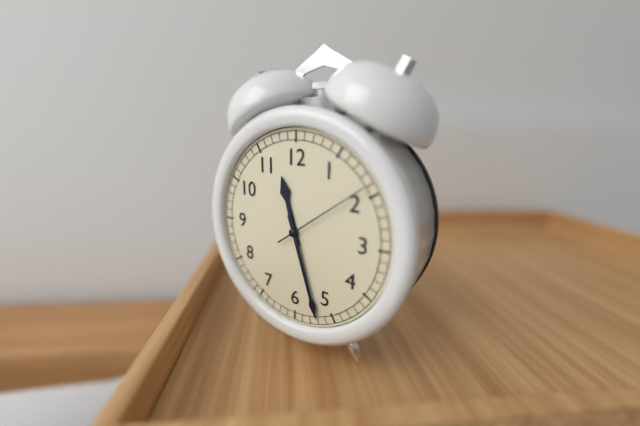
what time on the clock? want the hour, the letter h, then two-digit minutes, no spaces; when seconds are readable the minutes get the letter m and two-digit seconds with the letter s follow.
11h27m09s
